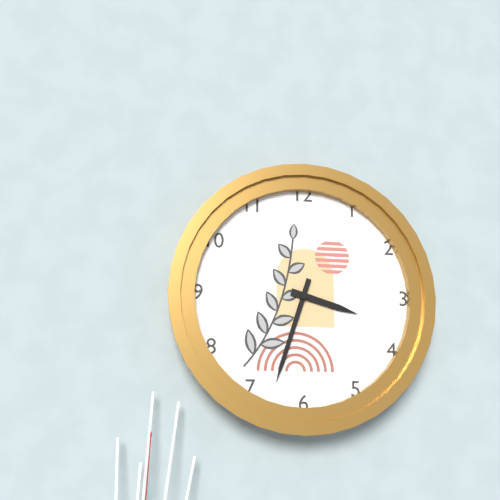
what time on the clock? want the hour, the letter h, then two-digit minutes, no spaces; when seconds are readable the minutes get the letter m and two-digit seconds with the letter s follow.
3h33
